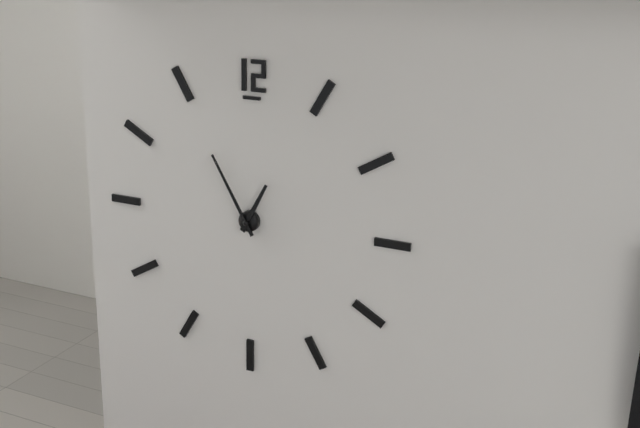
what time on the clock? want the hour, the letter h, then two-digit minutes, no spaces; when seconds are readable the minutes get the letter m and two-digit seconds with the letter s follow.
12h55
